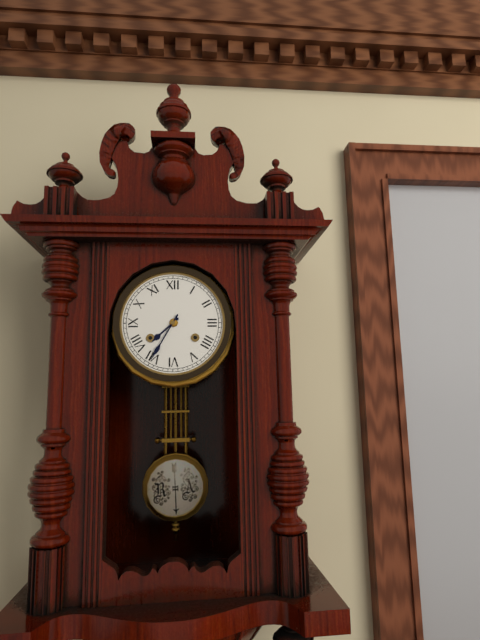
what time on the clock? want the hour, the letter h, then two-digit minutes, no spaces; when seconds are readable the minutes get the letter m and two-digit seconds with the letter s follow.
7h35
